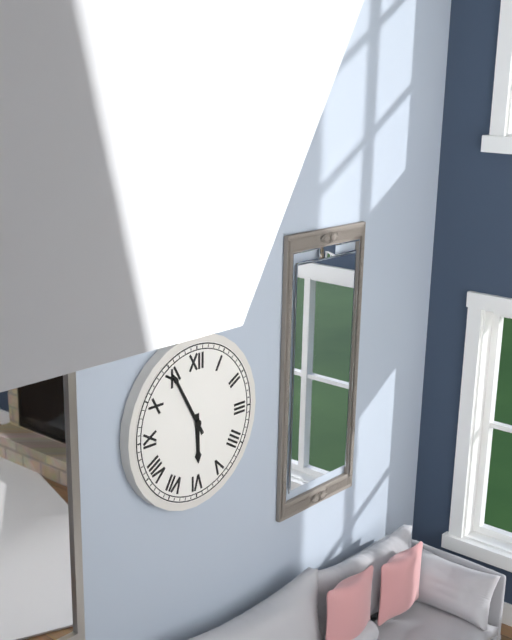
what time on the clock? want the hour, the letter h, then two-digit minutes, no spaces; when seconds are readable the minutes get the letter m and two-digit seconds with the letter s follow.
5h55
